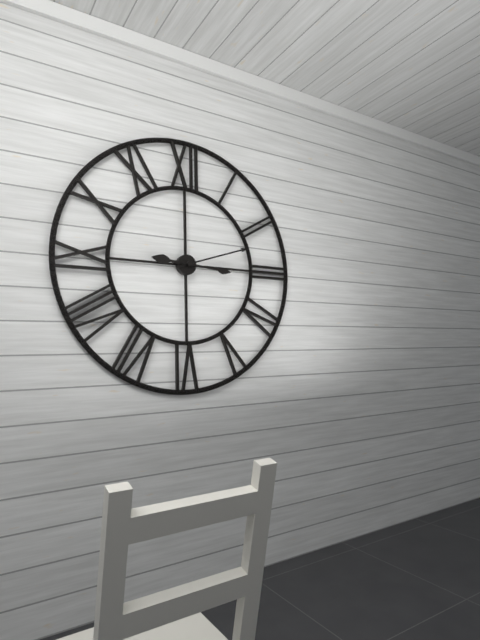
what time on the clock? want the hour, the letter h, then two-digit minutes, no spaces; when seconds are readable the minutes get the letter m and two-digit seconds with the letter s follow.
9h12m16s
